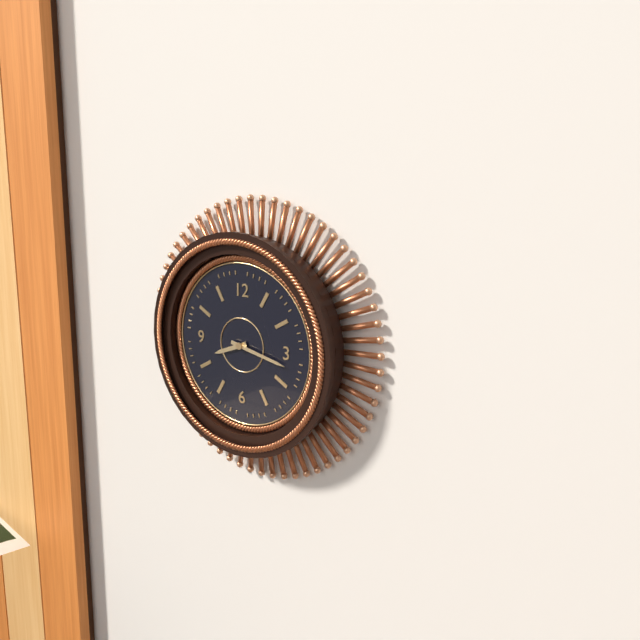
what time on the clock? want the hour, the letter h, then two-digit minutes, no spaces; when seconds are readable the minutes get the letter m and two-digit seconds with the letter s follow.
8h17
